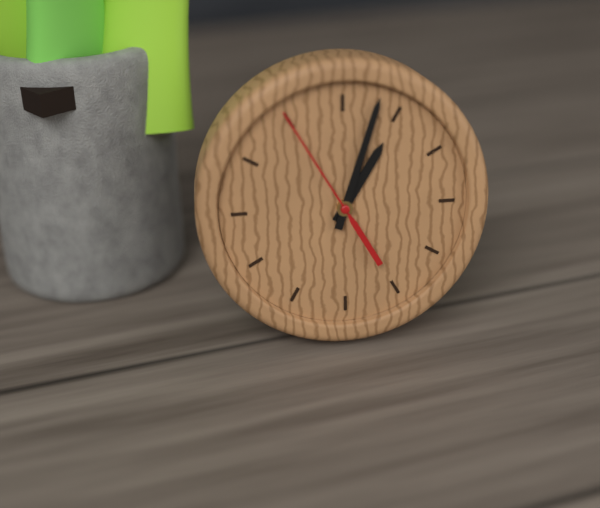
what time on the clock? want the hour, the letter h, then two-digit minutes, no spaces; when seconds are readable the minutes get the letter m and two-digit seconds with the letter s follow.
1h03m55s
